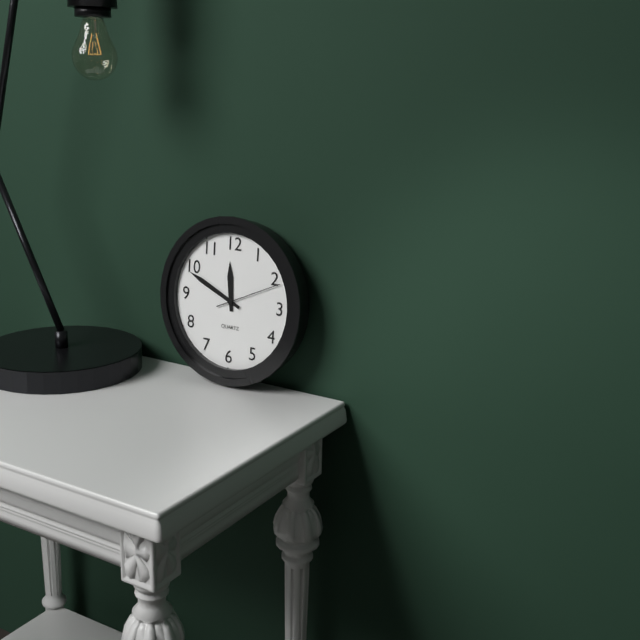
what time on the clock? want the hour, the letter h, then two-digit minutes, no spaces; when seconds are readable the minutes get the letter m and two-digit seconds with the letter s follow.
11h49m11s
